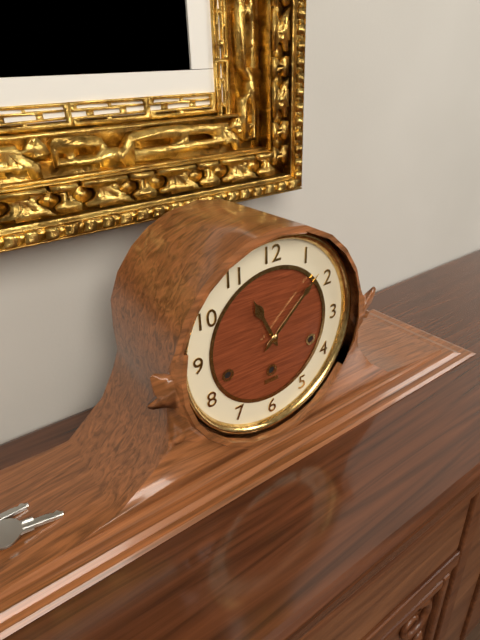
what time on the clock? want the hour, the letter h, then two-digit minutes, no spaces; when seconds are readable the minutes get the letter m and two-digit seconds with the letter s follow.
11h08
